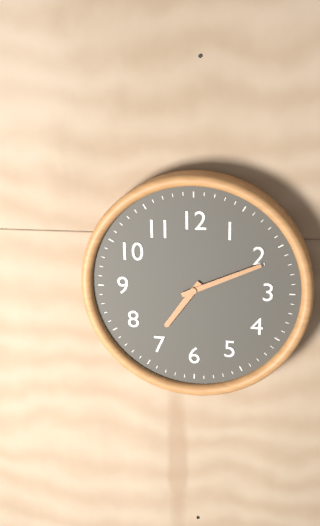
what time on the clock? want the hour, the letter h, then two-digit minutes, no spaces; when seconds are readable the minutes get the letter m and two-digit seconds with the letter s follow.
7h11
